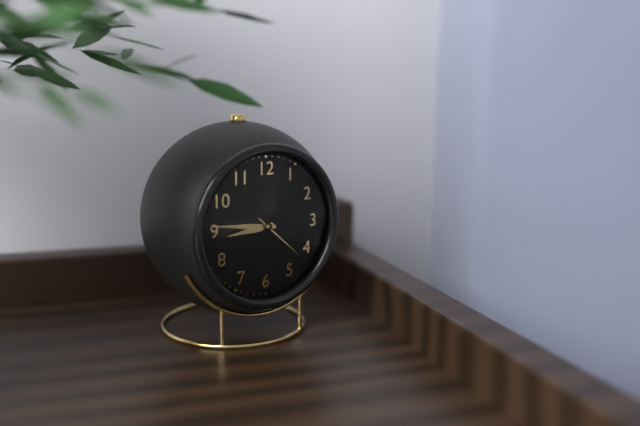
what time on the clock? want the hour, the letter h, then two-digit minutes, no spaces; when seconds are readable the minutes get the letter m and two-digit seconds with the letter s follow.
8h46m22s
